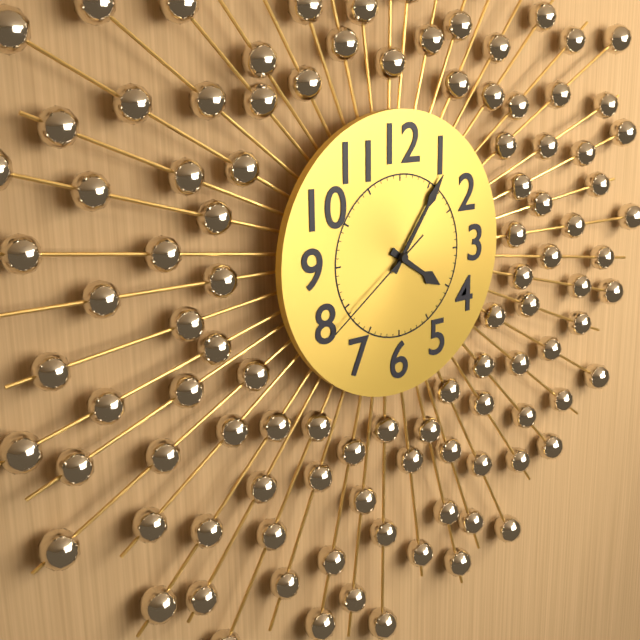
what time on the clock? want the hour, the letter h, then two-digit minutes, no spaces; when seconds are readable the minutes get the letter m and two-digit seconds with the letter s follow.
4h06m39s
